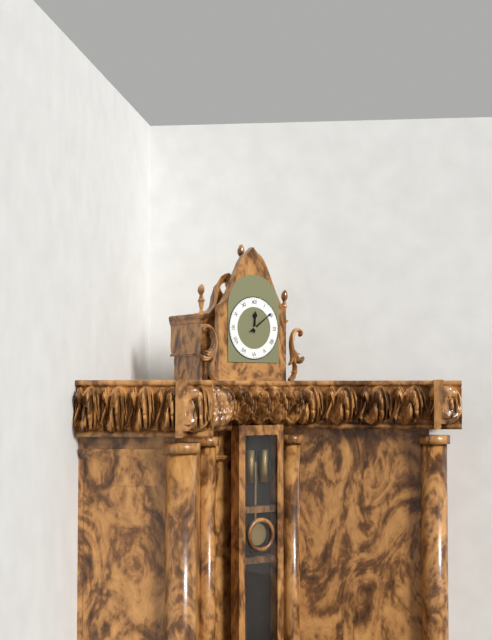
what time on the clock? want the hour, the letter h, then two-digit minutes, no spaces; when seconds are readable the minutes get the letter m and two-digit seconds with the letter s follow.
12h09
